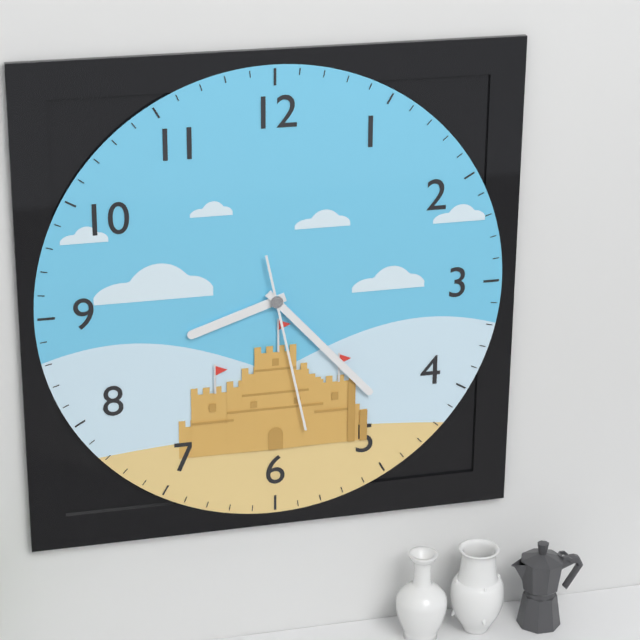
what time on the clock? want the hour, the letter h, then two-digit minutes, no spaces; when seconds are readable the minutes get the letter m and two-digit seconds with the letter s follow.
8h23m28s
